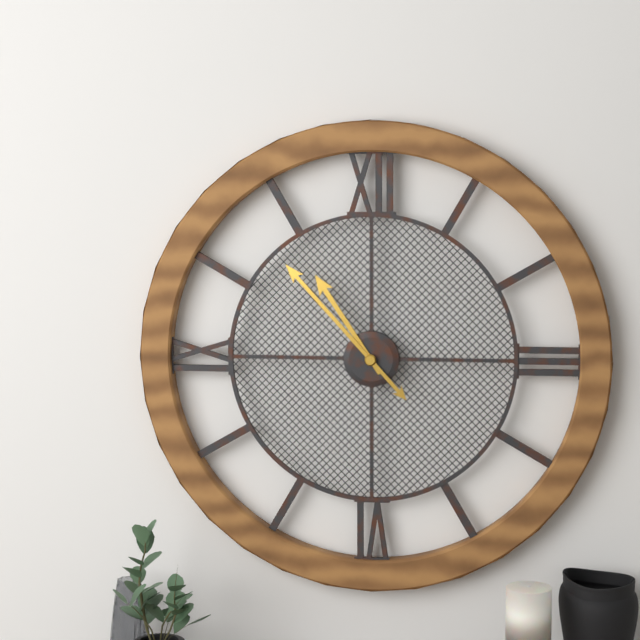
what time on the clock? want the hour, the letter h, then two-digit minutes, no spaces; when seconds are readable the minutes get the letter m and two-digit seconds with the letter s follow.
10h53
